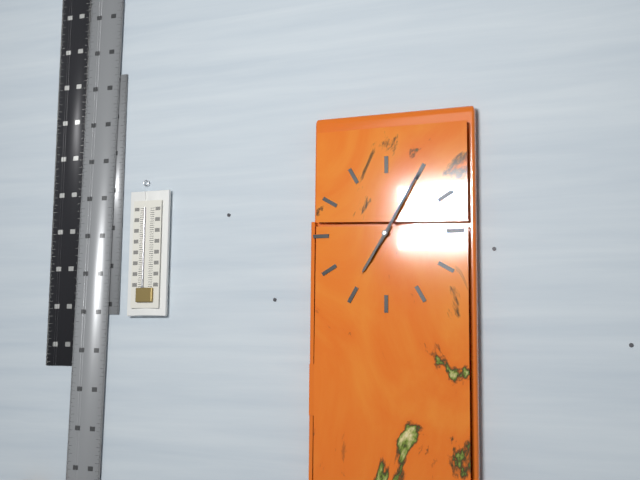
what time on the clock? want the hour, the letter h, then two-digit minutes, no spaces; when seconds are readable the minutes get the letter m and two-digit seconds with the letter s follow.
7h05m05s
